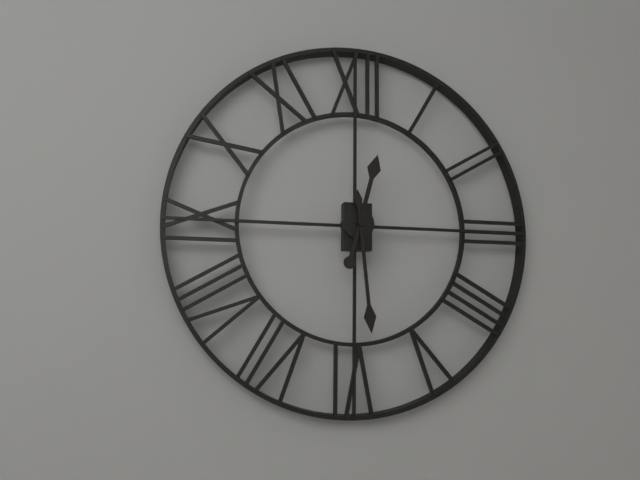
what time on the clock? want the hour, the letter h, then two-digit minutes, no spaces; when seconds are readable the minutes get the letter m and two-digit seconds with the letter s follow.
12h29
